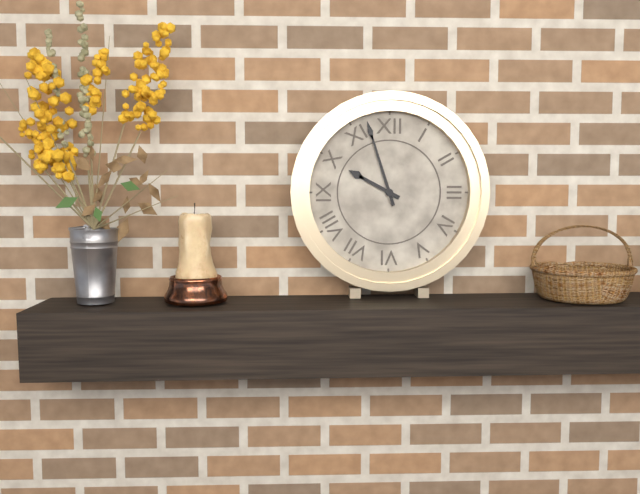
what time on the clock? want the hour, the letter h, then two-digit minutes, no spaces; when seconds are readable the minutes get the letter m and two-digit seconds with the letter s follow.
9h57
